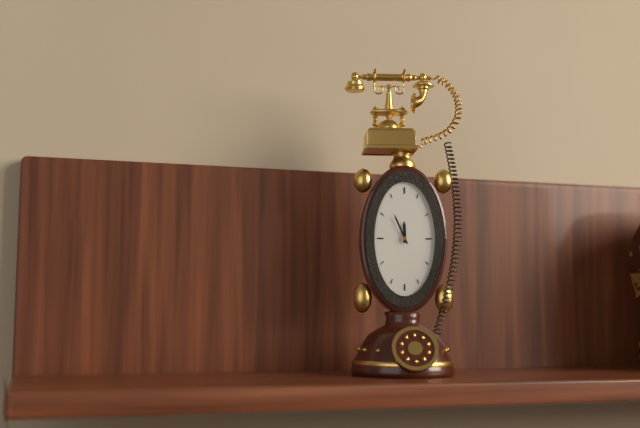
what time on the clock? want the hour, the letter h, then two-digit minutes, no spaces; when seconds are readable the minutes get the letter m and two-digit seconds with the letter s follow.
11h56
